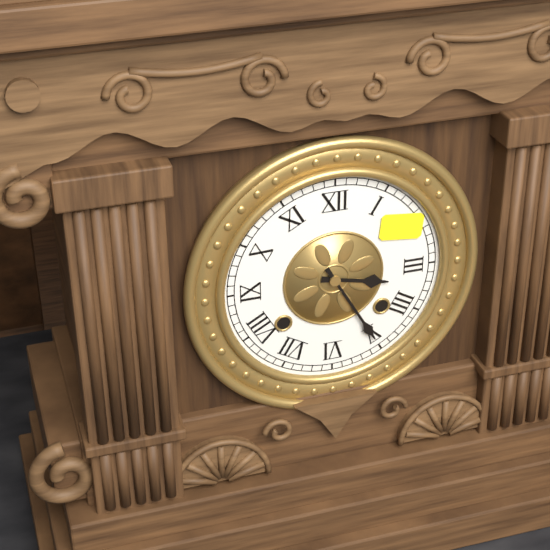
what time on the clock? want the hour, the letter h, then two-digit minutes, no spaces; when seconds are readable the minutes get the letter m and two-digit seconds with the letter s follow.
3h25
